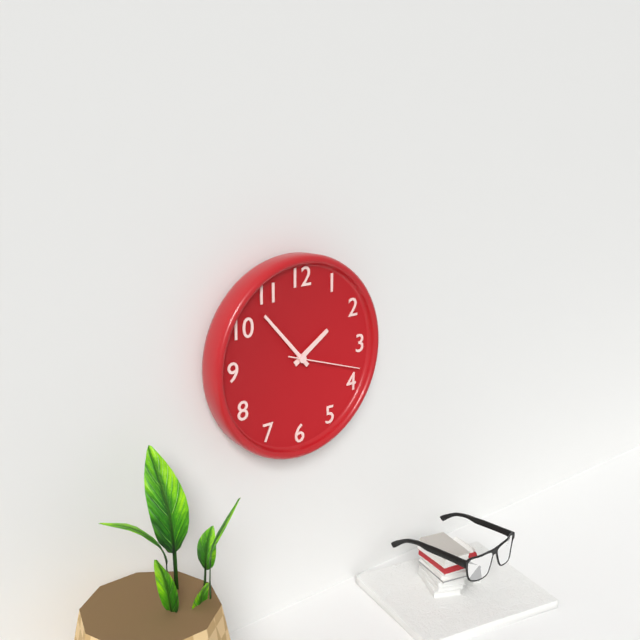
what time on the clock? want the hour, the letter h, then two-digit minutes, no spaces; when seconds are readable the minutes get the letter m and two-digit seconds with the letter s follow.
1h53m18s
